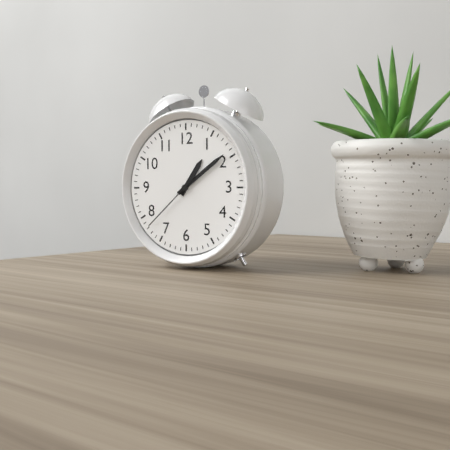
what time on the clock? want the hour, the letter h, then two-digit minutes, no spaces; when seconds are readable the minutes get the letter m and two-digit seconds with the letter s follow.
1h09m38s
